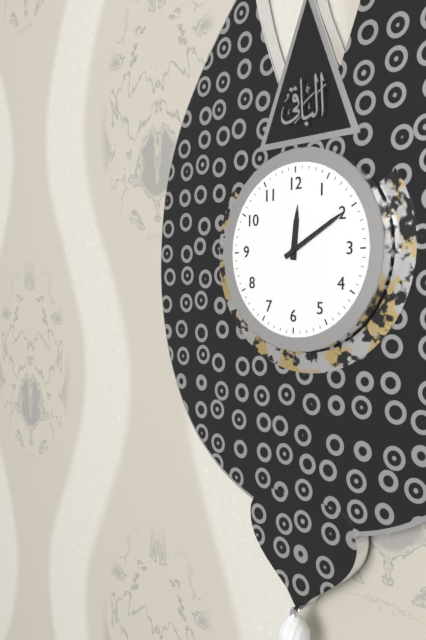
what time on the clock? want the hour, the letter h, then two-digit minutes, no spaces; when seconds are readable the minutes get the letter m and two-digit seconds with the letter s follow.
12h10
